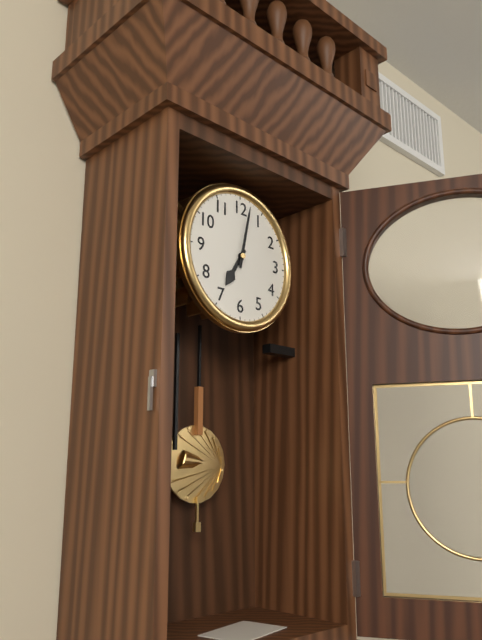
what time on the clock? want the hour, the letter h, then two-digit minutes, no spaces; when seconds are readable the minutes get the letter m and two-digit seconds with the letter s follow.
7h02
